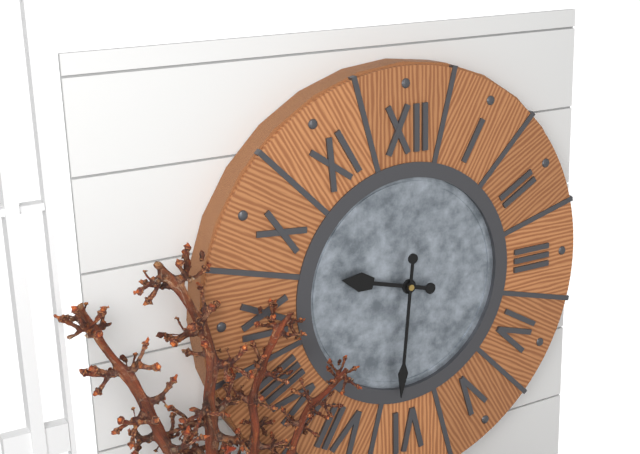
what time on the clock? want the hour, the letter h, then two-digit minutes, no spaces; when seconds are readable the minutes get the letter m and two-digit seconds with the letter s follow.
9h31
